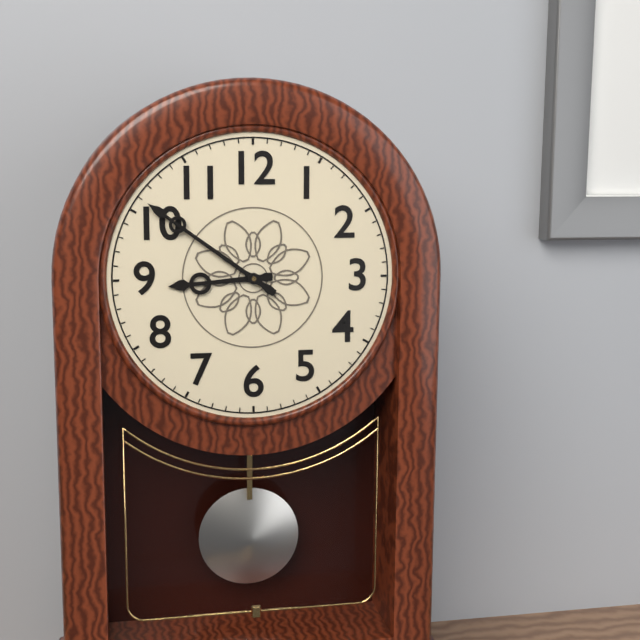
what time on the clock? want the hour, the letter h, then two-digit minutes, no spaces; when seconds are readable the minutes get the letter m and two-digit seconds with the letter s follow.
8h51
